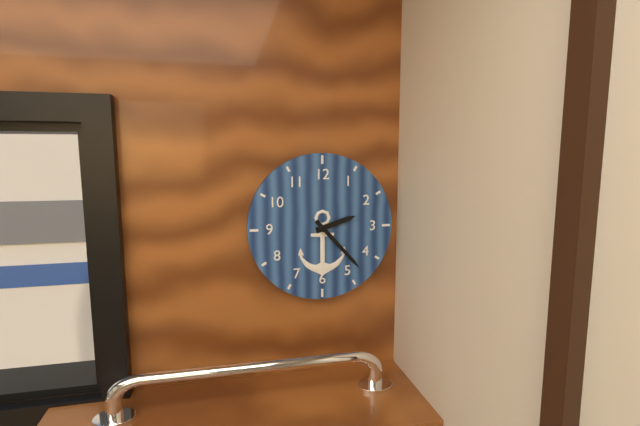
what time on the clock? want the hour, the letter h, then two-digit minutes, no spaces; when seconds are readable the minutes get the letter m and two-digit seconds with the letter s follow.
2h23
